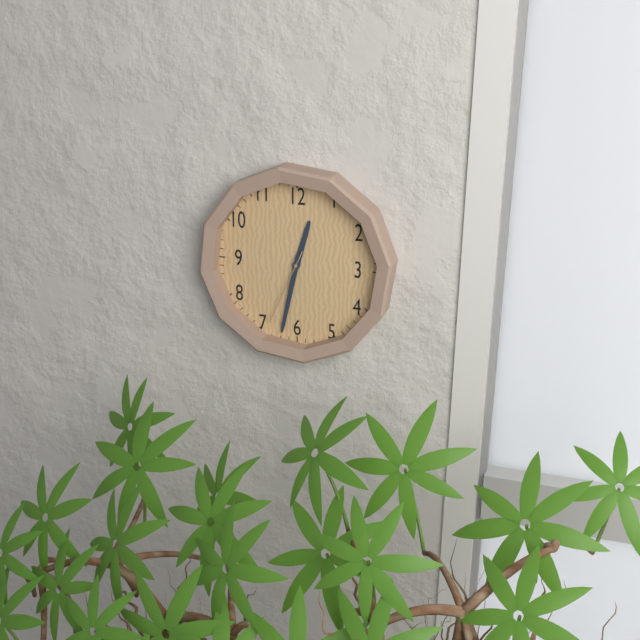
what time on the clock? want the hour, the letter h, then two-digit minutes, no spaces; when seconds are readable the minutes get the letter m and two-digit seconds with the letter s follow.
12h32m34s
